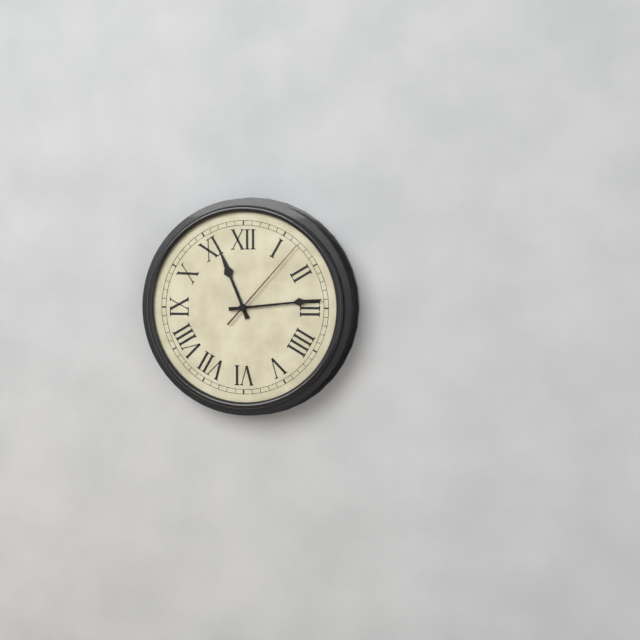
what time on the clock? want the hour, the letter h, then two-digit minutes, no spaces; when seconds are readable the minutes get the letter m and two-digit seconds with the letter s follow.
11h14m07s
